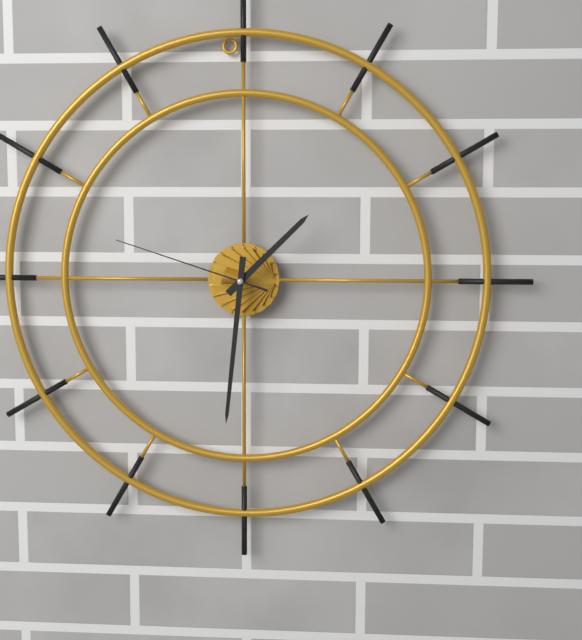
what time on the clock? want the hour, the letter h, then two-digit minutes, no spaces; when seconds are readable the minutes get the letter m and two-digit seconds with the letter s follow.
1h31m48s
